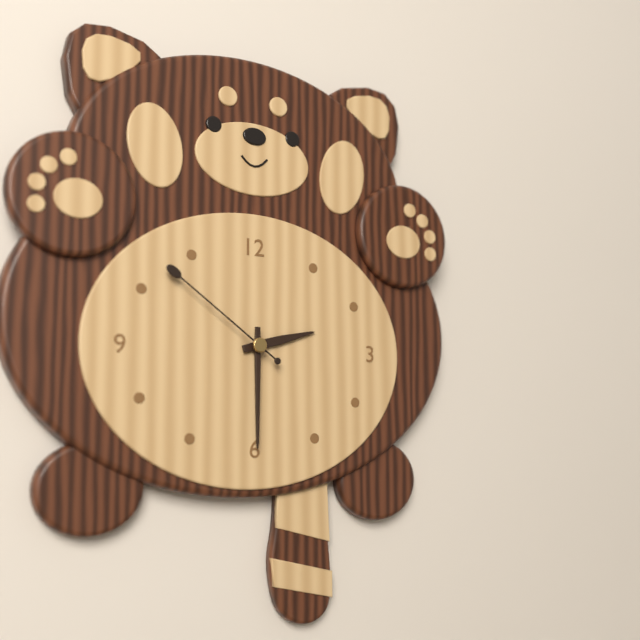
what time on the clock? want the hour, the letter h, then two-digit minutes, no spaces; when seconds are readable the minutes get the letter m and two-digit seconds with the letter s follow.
2h30m51s
